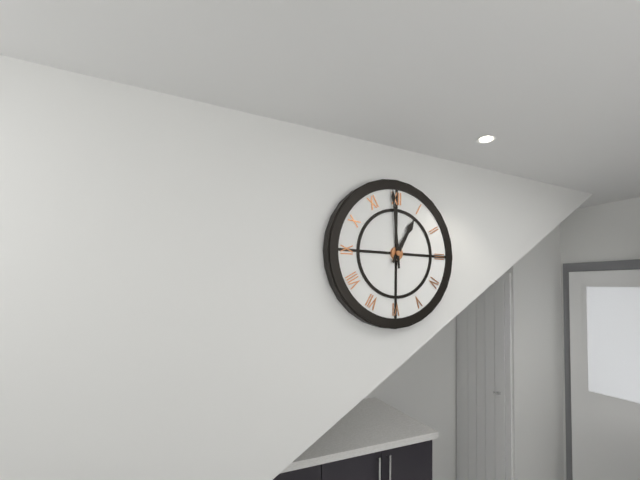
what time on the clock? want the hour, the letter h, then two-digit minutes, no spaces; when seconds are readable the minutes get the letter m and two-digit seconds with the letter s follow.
12h59
